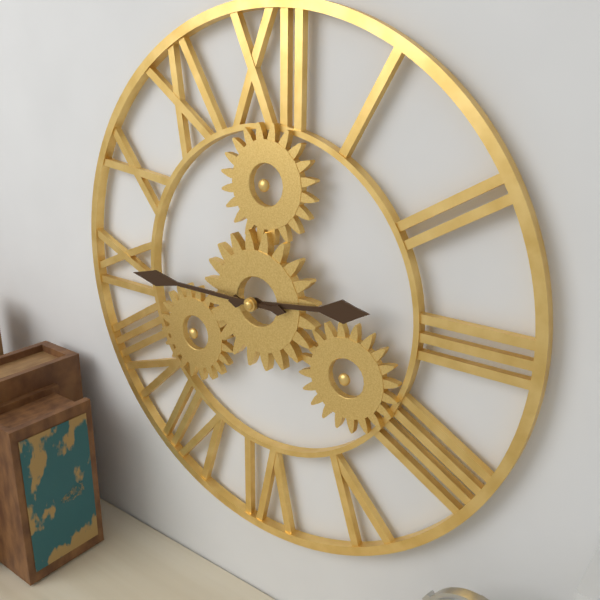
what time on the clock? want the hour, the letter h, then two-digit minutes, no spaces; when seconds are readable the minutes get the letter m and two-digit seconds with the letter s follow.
2h45
